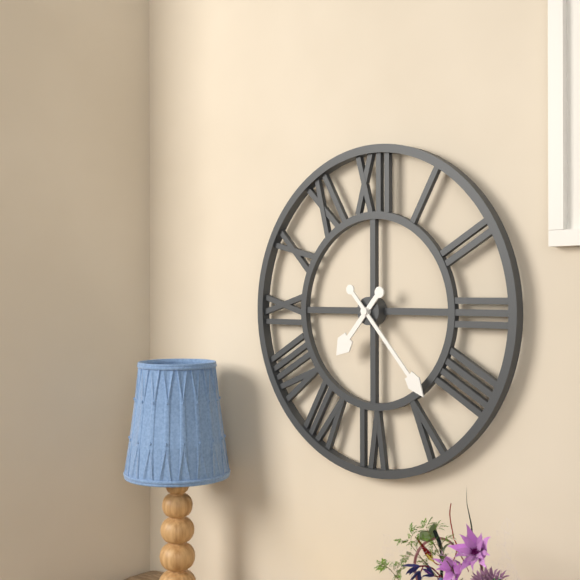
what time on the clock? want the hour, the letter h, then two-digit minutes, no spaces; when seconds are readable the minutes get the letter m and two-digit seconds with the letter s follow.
7h23
